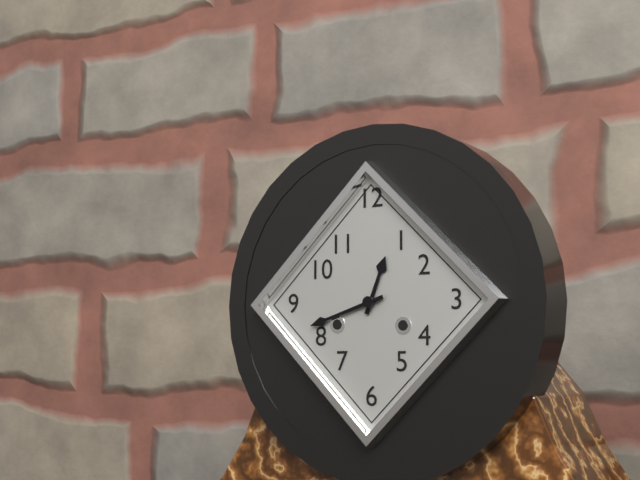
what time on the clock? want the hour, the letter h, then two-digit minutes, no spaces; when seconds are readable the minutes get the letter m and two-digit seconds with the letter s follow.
12h42
